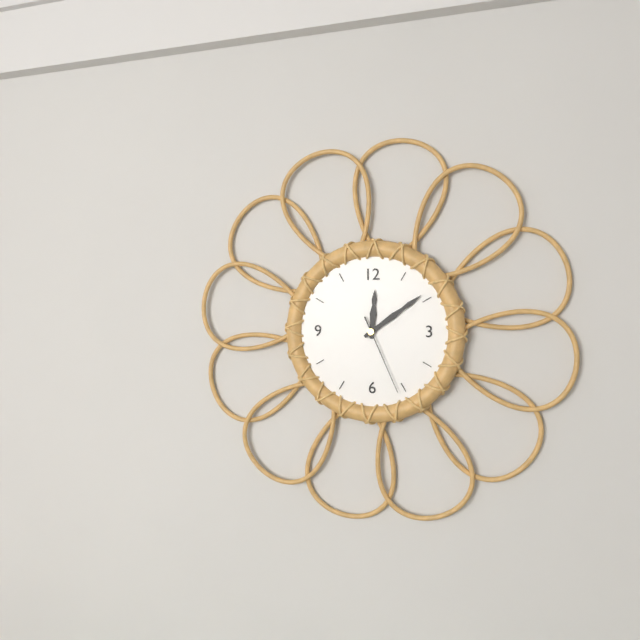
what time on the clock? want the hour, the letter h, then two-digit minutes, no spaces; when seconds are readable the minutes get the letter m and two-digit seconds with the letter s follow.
12h09m26s
